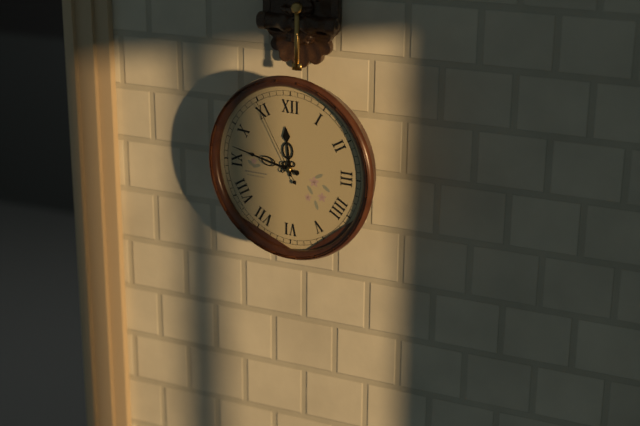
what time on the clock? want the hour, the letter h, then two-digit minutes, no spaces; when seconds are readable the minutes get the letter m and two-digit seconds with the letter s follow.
11h47m55s
